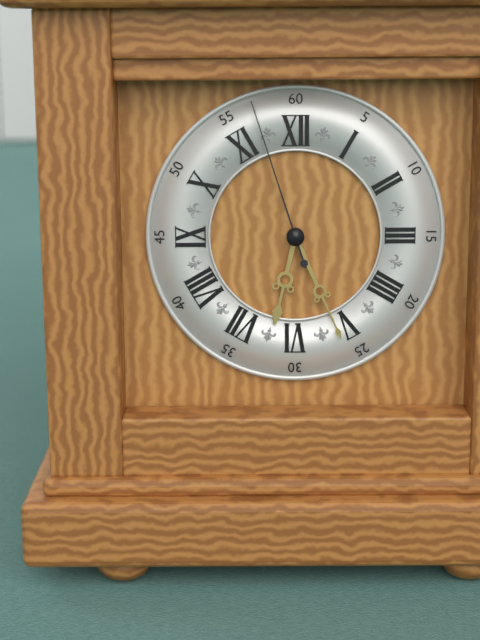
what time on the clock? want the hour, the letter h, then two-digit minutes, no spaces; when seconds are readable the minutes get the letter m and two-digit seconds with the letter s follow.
6h26m57s
